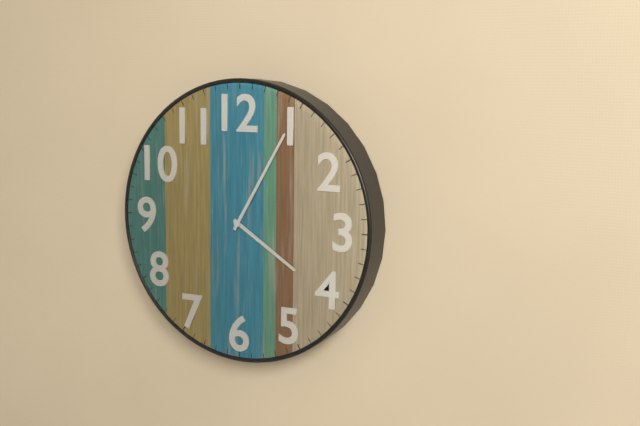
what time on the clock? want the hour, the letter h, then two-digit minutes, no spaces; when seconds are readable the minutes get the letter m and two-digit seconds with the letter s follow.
4h05
